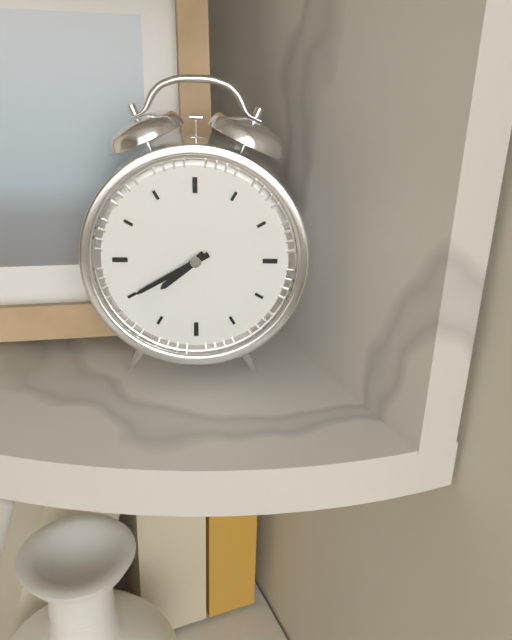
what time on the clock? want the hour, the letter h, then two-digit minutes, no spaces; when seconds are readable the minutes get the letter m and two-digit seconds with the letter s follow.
7h40
